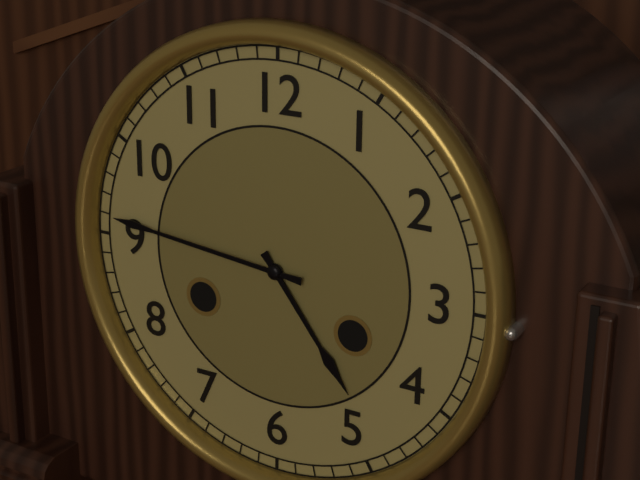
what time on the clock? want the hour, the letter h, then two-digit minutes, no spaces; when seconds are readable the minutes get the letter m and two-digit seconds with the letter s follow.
4h46
